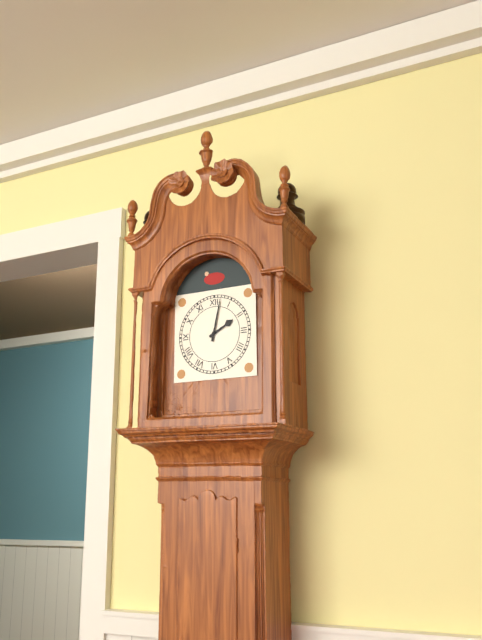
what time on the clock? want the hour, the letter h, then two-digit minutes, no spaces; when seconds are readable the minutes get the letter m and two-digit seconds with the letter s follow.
2h02
